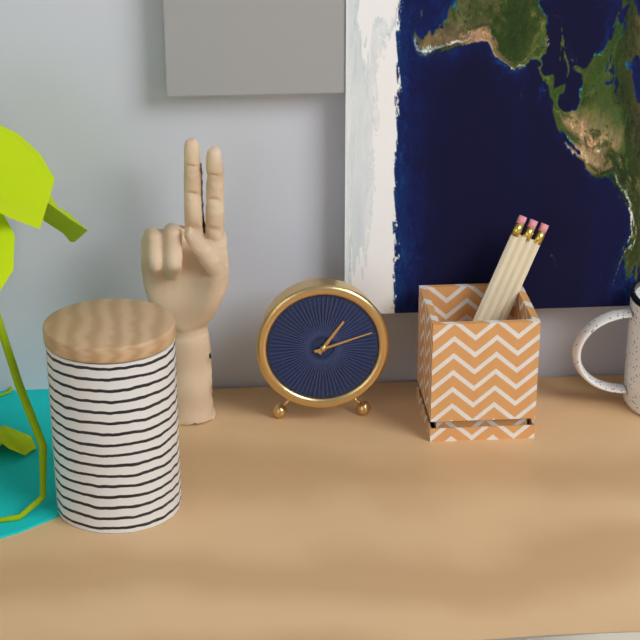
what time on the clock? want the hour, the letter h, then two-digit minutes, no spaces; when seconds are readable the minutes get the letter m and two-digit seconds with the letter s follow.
1h12
